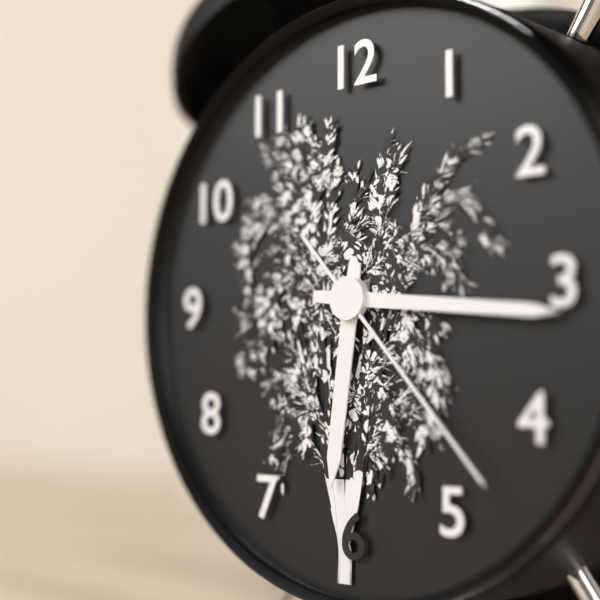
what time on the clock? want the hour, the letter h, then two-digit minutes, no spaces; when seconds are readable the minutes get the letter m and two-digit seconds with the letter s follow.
6h16m23s
